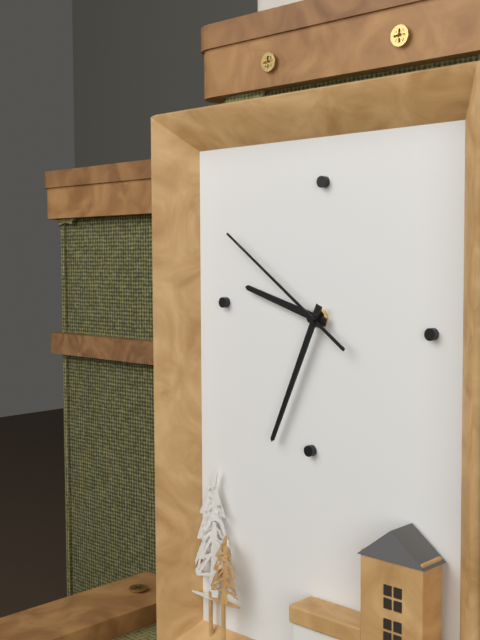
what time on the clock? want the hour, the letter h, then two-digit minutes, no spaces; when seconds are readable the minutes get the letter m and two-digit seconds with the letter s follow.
9h34m51s
